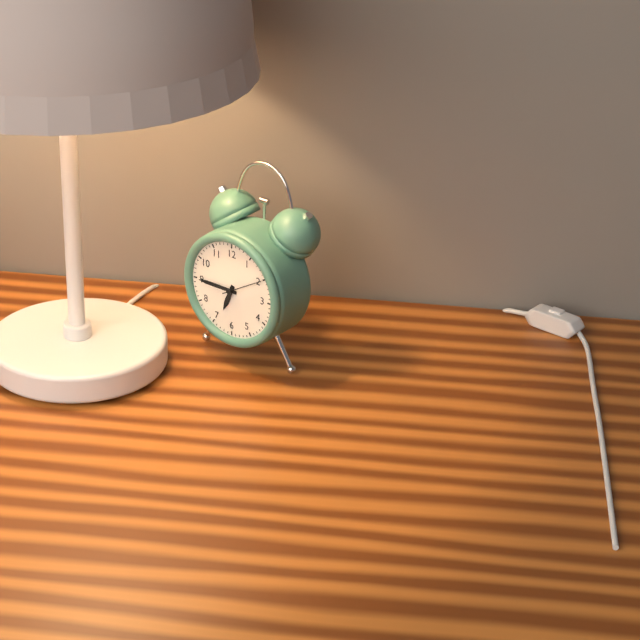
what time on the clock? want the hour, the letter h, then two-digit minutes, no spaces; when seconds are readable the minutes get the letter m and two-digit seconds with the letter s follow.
6h45
